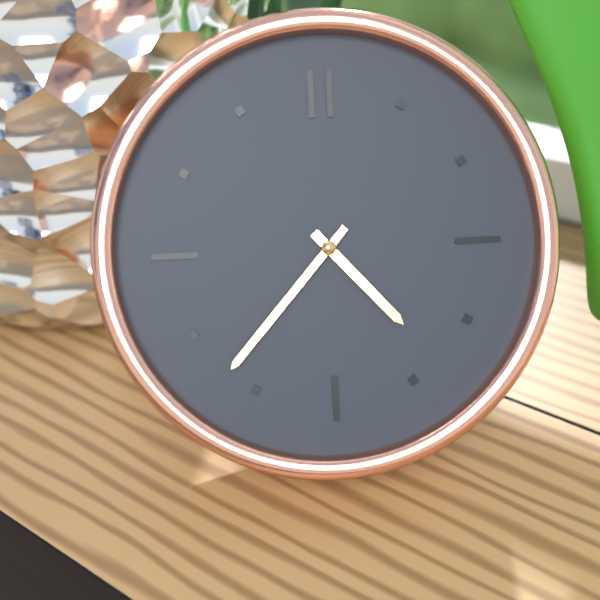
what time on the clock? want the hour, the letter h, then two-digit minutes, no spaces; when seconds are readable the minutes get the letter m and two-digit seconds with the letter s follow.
4h37
